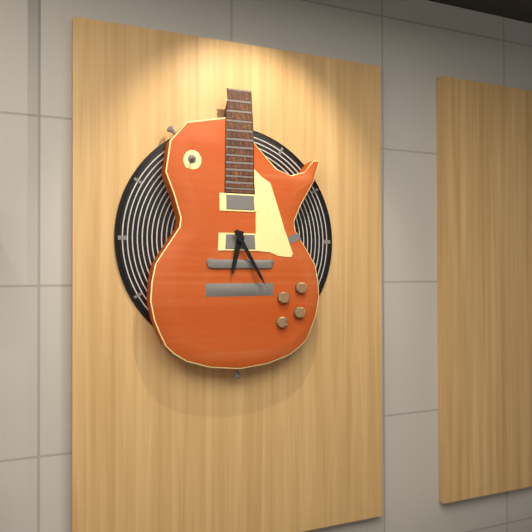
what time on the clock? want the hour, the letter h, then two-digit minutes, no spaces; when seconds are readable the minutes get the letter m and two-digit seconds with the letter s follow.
6h25
